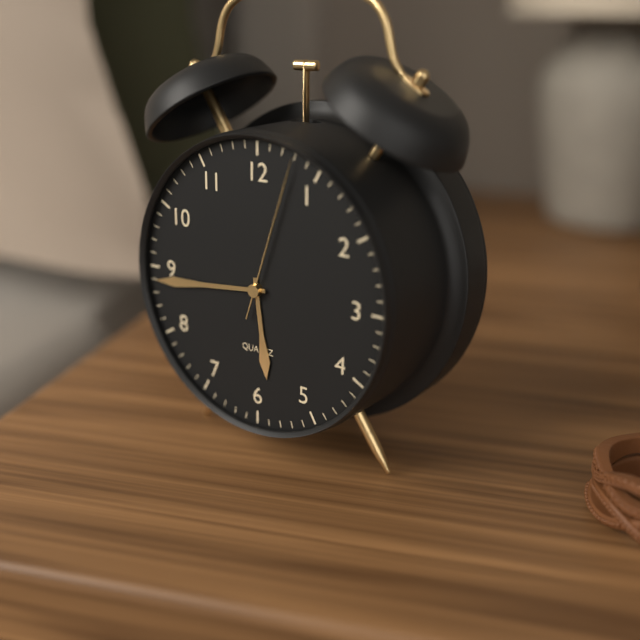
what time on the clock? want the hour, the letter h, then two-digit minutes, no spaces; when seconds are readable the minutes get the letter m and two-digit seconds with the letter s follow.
5h44m03s
